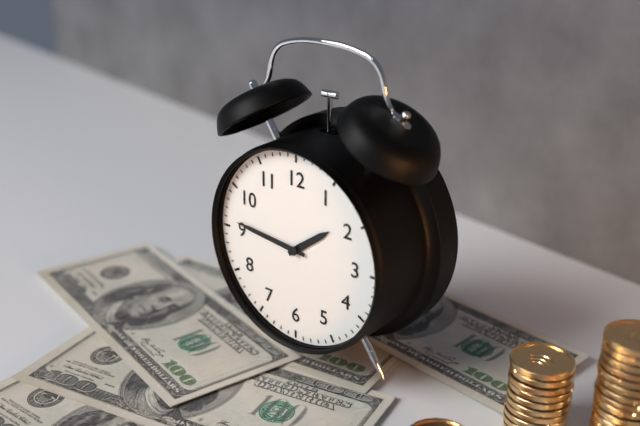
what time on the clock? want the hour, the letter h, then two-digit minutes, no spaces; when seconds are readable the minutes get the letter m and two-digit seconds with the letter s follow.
1h46
